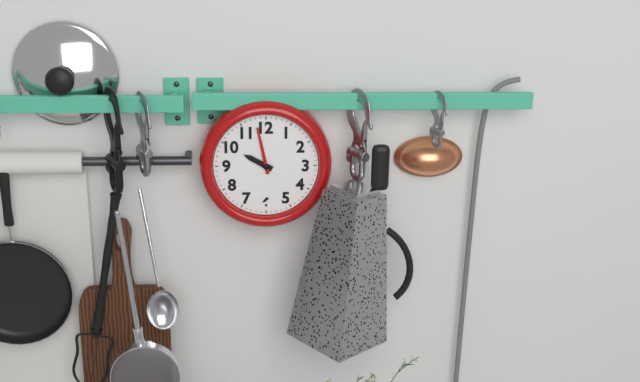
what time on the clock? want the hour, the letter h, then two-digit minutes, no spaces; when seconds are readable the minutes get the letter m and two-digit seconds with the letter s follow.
9h58
